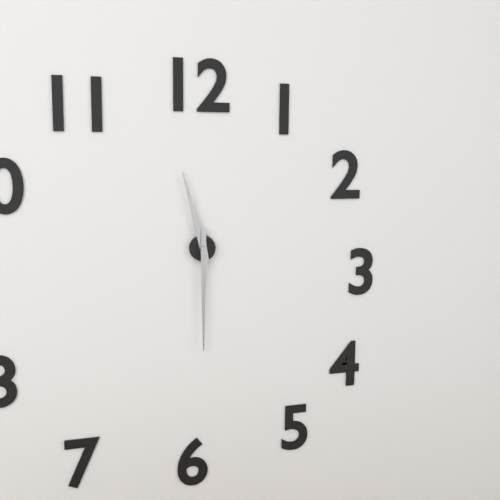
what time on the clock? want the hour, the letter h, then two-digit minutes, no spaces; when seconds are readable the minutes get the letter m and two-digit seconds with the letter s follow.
11h30
